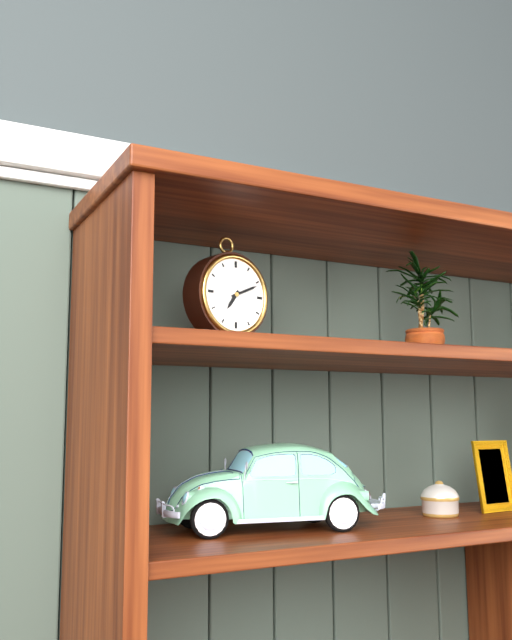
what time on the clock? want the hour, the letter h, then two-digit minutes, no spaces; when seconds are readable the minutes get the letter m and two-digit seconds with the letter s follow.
7h11
